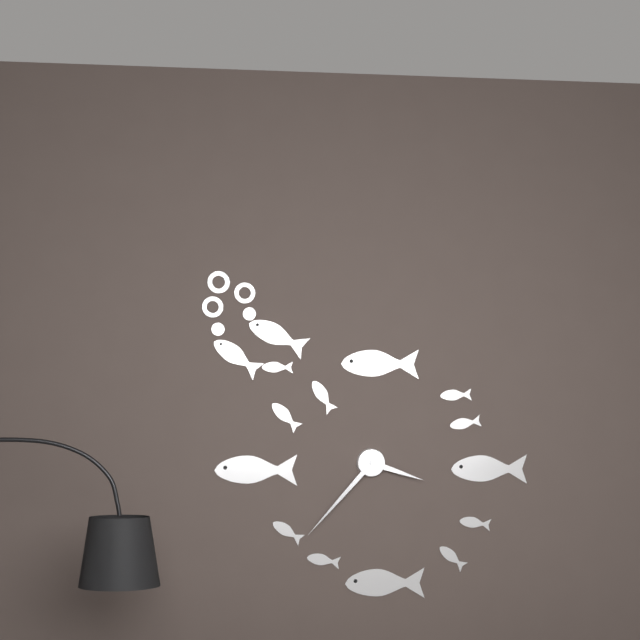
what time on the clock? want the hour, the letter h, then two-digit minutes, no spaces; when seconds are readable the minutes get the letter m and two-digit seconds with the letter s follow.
3h37
